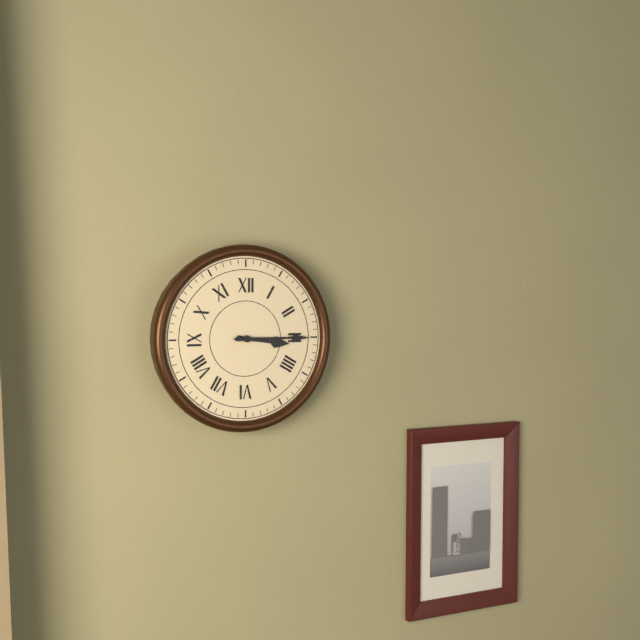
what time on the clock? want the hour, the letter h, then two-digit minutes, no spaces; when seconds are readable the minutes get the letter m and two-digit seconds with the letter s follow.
3h15
